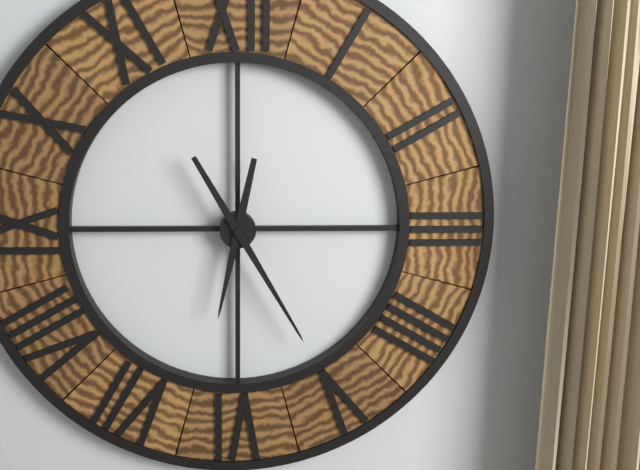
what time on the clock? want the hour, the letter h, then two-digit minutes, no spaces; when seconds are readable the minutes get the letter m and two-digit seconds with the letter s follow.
6h25
